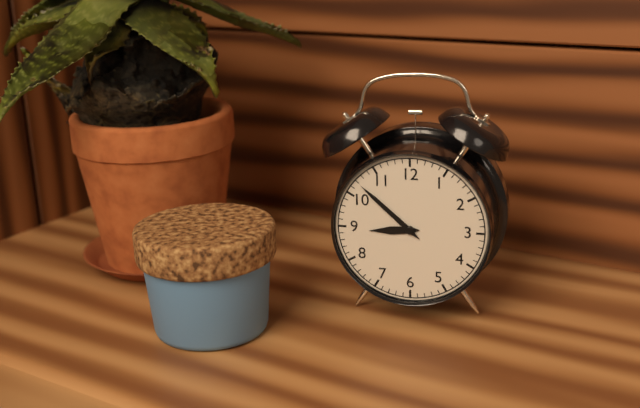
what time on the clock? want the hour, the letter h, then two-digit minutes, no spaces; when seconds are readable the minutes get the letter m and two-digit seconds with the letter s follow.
8h52
